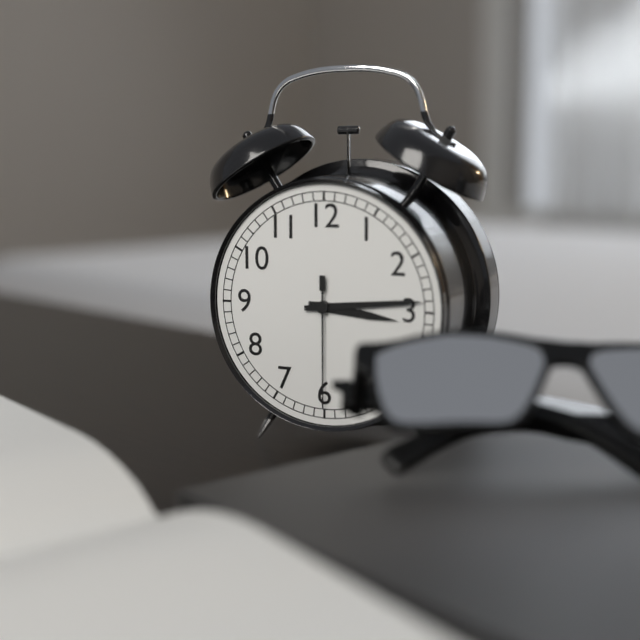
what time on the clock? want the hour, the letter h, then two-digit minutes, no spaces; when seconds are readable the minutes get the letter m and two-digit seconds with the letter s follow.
3h14m30s
